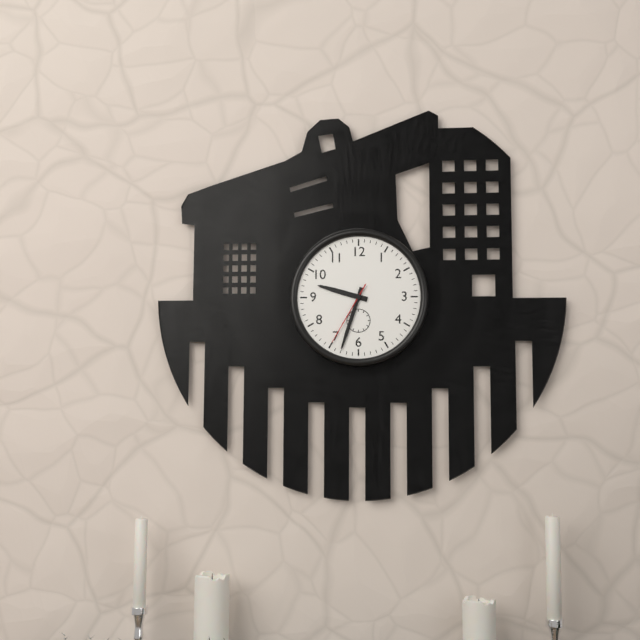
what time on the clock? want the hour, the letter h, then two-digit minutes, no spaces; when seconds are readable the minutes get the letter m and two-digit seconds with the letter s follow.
9h33m35s
